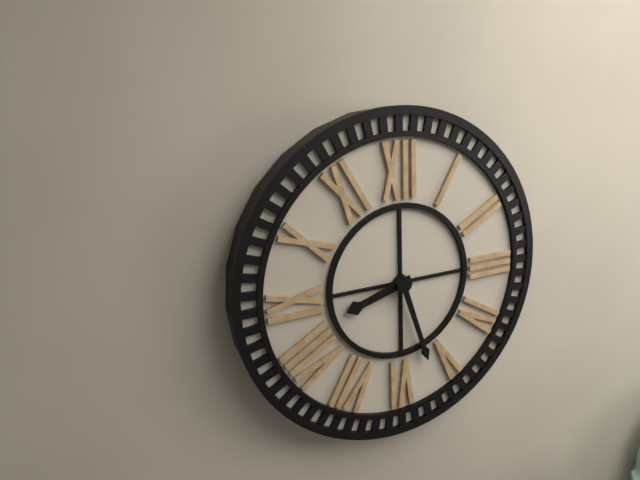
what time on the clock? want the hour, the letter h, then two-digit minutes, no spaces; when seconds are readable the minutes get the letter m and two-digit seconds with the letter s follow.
8h27
